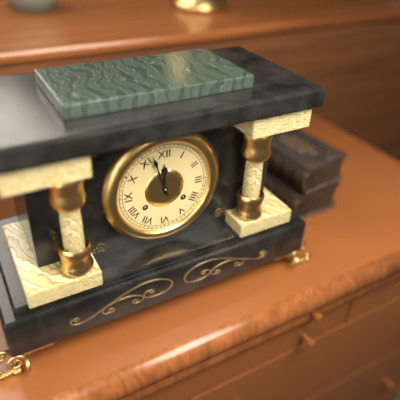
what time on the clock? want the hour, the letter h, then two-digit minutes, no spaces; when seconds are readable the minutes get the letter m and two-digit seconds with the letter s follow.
11h57
